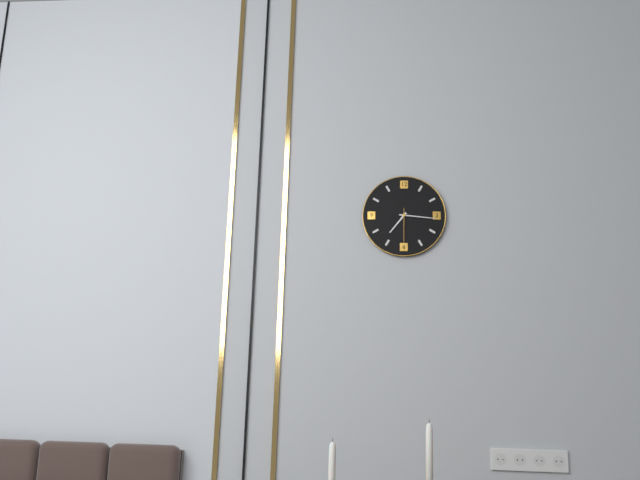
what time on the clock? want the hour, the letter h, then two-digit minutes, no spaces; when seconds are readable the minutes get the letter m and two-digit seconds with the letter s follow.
7h16
